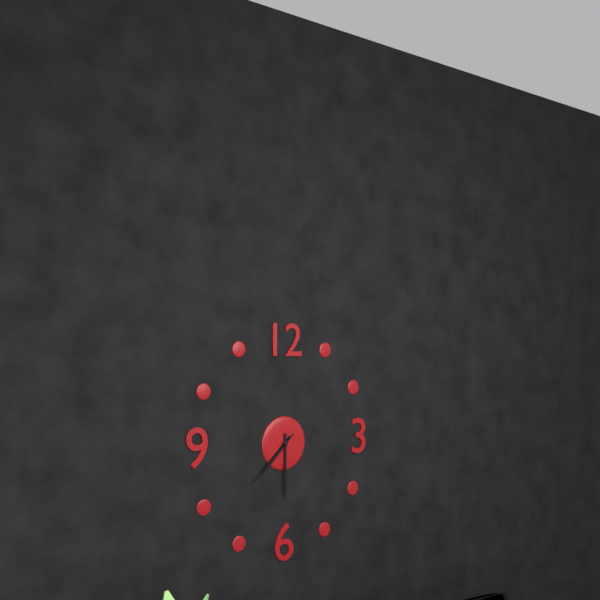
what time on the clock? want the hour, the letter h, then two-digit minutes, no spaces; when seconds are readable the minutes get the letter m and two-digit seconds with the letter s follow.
7h30m38s
